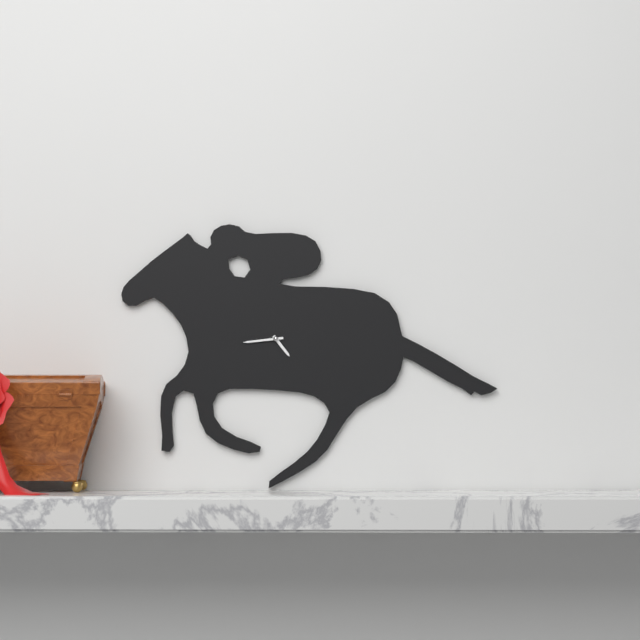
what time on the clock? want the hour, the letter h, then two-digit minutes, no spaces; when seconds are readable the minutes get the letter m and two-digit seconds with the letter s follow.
4h44
